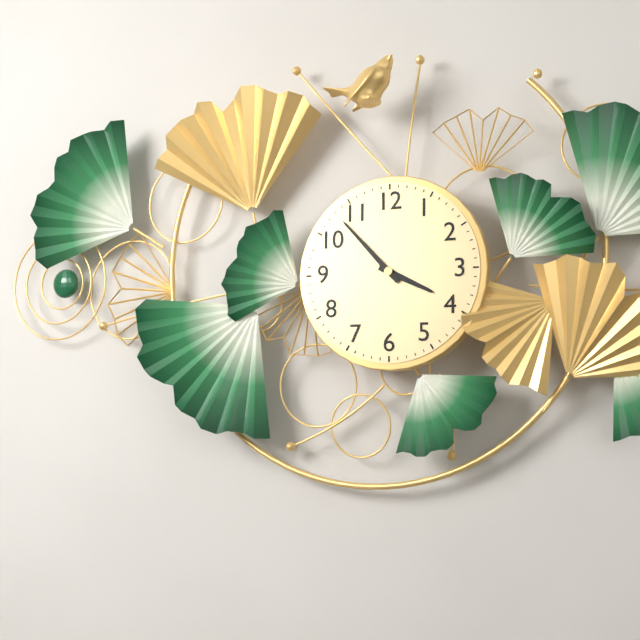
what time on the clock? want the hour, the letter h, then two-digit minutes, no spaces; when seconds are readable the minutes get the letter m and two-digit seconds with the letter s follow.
3h53
